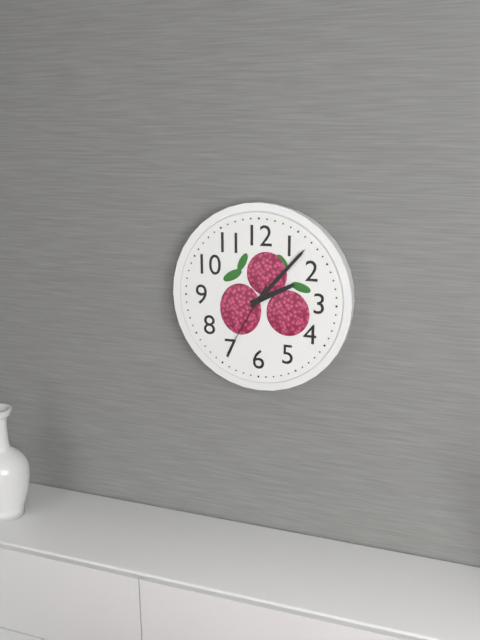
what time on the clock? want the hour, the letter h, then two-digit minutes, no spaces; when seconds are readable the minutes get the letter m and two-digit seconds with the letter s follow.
2h07m35s
